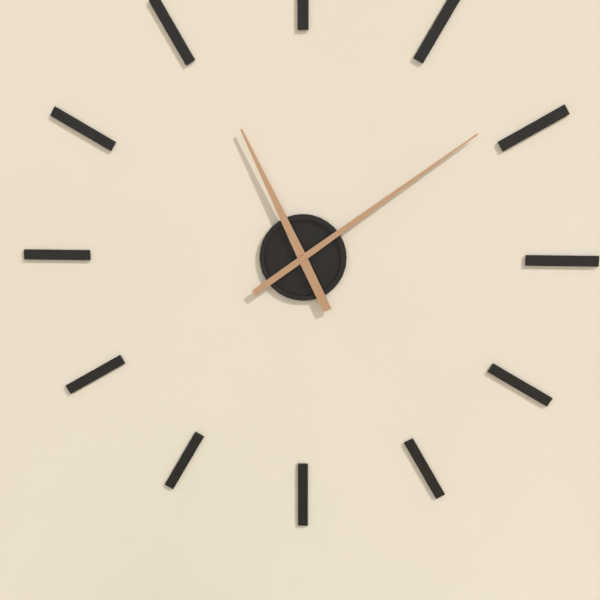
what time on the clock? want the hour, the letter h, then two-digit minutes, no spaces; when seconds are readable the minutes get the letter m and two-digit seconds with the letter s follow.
11h09
